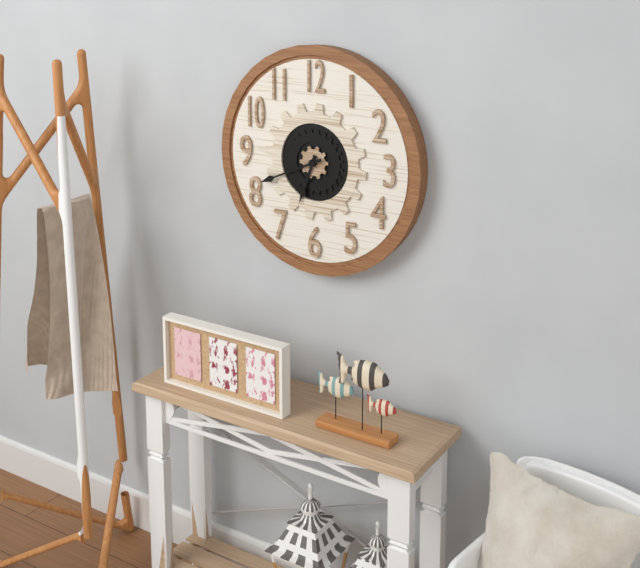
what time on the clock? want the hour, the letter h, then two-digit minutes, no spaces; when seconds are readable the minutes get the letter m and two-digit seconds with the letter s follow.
6h41
